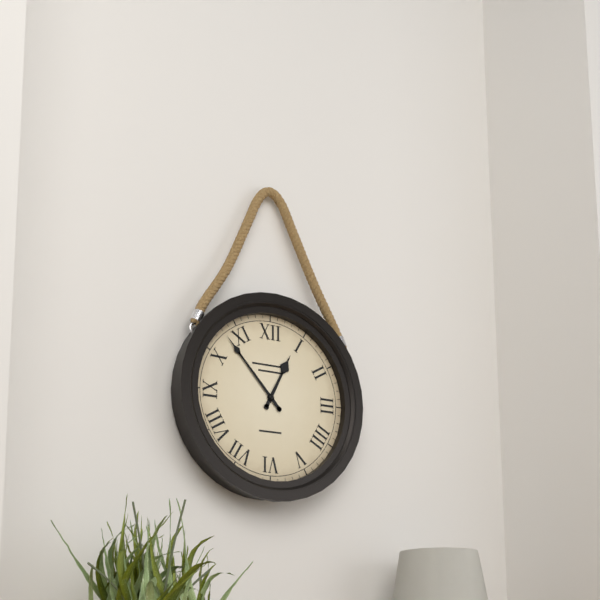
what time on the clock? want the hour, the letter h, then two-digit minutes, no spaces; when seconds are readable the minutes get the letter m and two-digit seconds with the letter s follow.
12h53
